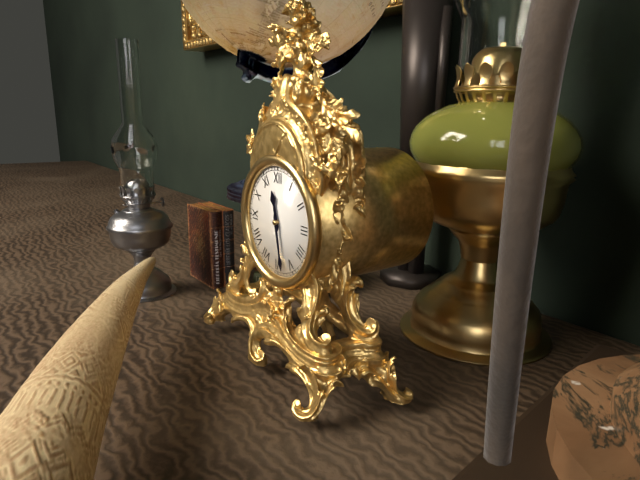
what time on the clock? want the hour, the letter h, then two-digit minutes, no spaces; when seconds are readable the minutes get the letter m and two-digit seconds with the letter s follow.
11h28
